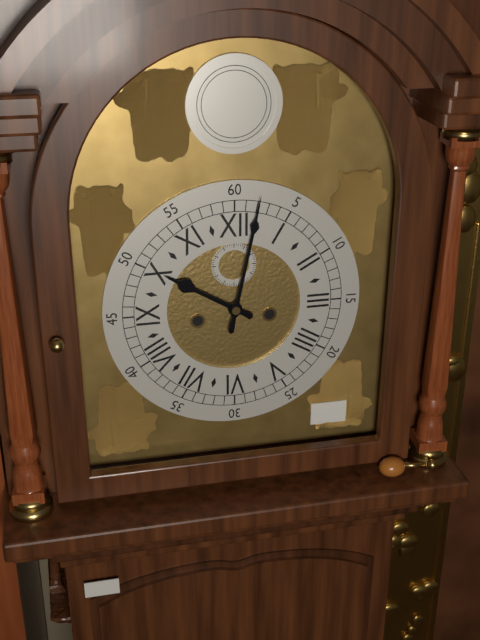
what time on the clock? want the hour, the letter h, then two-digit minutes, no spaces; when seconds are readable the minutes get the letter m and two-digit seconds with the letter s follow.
10h02
